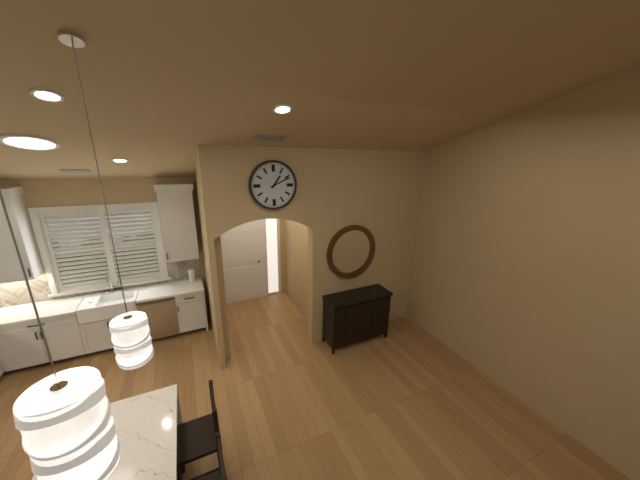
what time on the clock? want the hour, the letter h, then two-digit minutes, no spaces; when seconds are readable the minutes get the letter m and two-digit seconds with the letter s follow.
1h11
